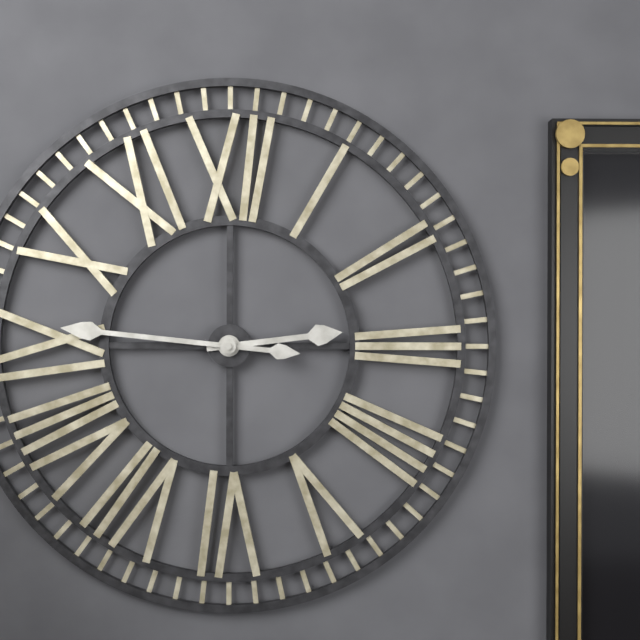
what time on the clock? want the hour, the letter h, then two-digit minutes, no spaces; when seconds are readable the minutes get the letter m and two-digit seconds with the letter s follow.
2h46
